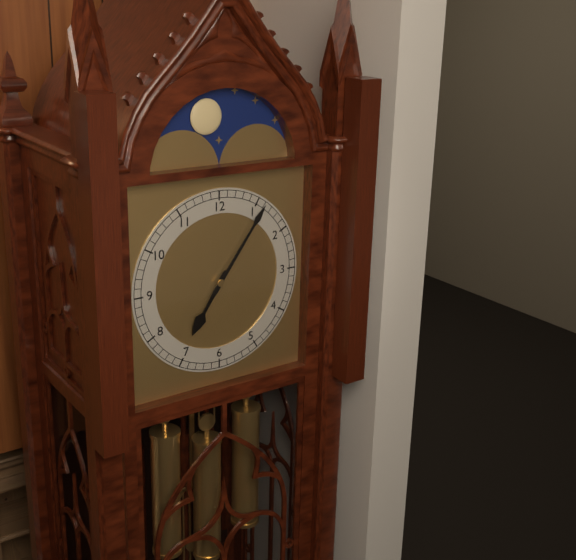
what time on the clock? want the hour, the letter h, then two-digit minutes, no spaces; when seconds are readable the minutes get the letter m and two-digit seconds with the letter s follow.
7h06
